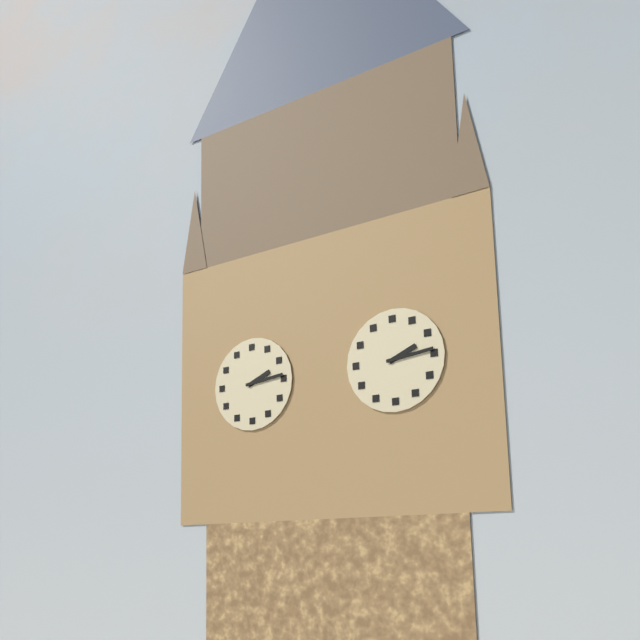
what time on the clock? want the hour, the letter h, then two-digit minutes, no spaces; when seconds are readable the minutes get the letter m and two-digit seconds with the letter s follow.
2h14
